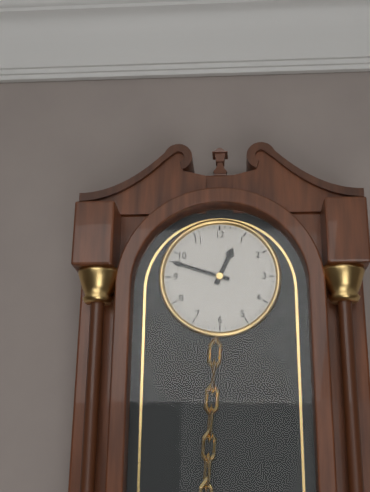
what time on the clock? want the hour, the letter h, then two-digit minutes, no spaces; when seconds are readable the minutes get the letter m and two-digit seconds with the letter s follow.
12h48
